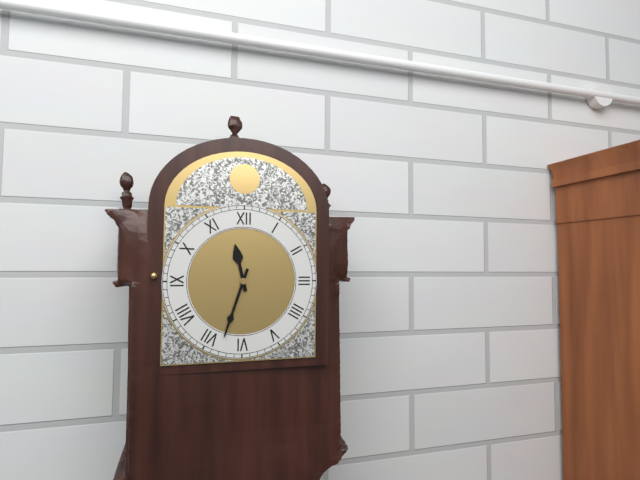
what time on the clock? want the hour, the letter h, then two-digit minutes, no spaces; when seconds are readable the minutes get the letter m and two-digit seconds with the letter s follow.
11h33
